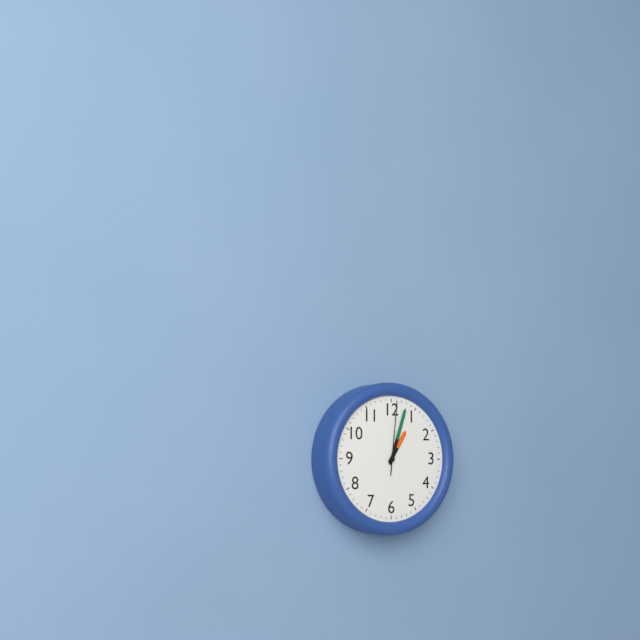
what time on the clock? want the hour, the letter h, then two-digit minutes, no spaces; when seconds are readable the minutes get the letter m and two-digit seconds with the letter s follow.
1h03m01s
